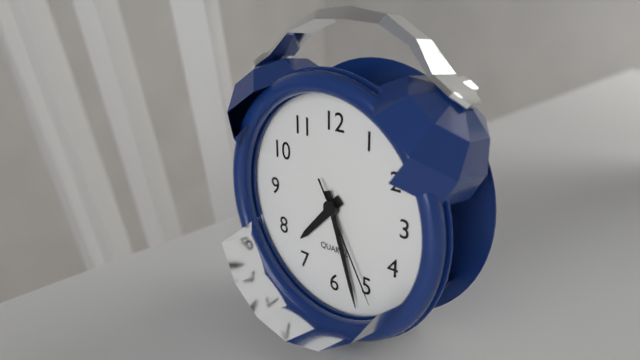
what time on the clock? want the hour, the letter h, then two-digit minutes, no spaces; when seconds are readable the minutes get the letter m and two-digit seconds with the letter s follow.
7h27m25s
